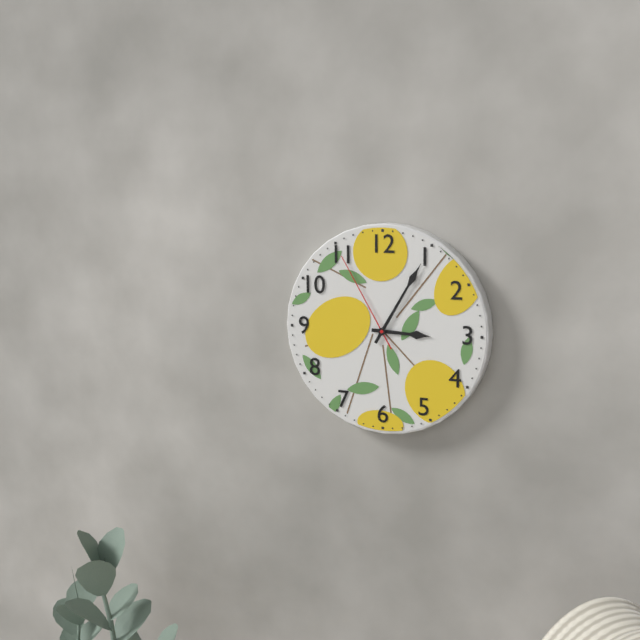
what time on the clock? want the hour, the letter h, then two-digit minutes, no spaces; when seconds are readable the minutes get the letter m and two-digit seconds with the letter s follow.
3h05m55s
